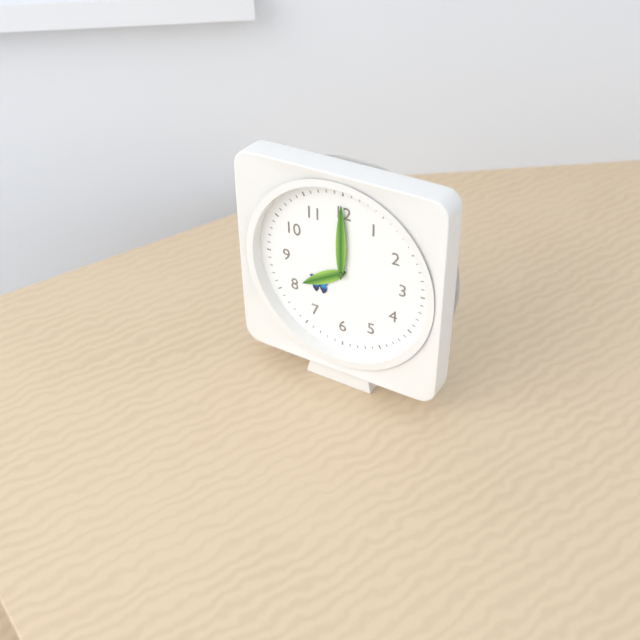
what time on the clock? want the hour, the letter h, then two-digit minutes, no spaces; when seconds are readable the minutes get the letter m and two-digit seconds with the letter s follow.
8h00
